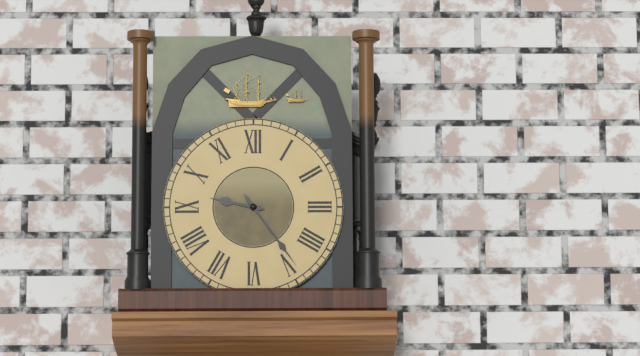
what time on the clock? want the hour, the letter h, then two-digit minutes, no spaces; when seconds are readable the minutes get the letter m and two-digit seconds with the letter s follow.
9h24
